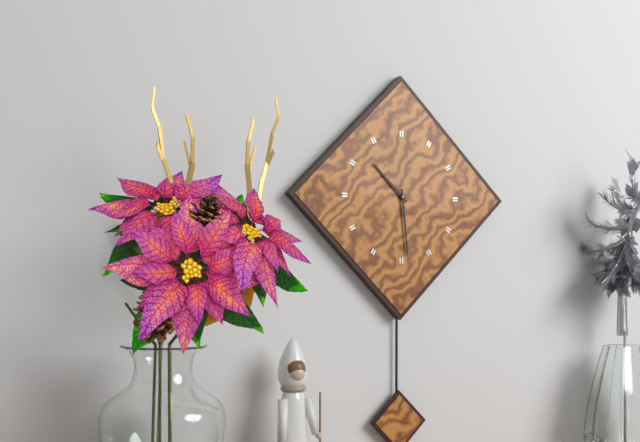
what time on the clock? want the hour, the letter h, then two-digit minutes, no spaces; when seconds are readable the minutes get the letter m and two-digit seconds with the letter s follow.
10h29
